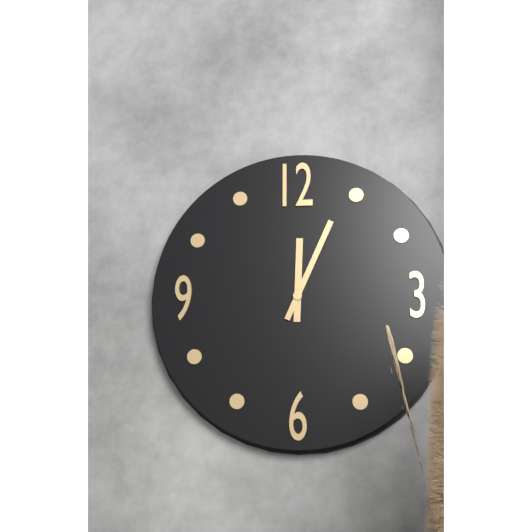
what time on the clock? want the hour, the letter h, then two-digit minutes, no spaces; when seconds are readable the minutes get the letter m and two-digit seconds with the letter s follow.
12h04
